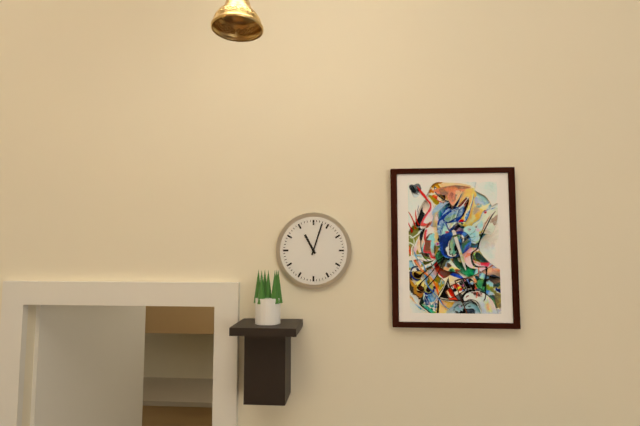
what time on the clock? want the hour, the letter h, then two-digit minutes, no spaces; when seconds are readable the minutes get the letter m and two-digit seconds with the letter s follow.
11h03
